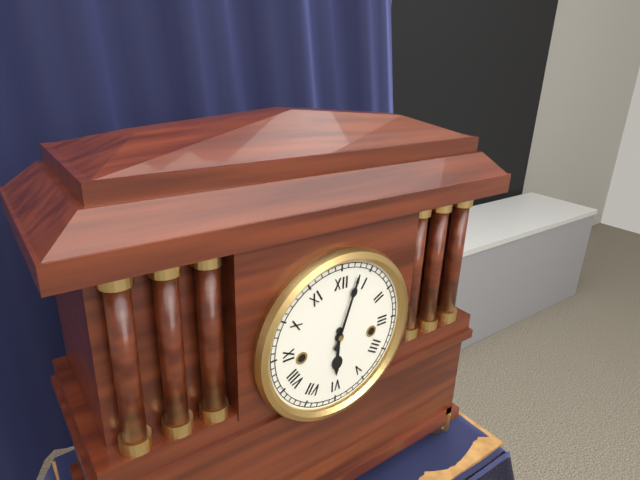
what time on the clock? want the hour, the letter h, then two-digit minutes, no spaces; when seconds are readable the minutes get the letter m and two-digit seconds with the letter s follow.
6h03
